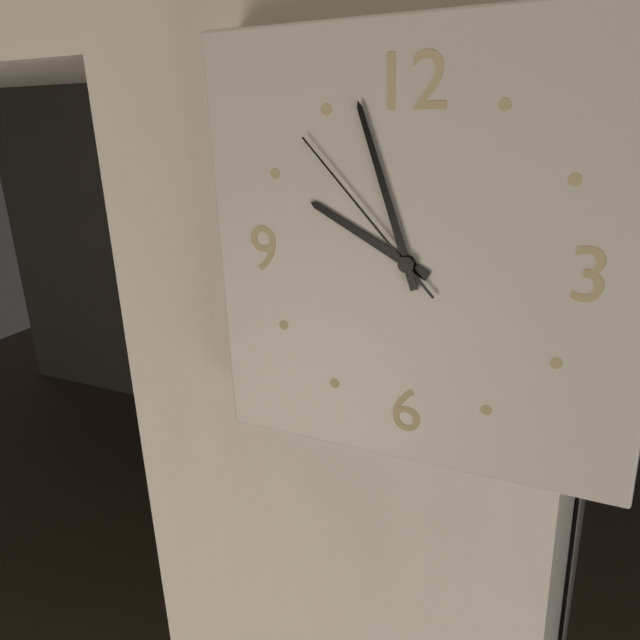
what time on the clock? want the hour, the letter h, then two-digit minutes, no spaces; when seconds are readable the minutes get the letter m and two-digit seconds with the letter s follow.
9h57m53s
